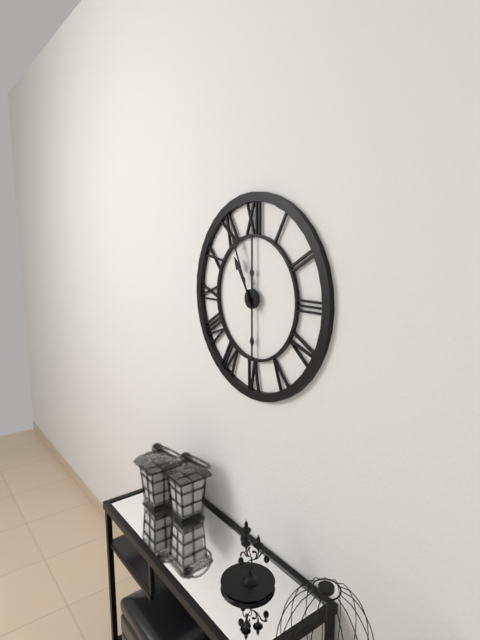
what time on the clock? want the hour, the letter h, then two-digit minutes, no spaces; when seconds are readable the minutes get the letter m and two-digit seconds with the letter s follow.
10h56
